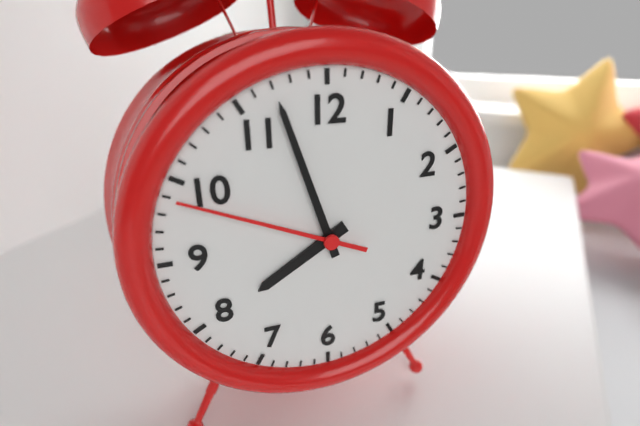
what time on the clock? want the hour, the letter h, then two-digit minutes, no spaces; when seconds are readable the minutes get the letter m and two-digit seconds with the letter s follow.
7h57m49s
